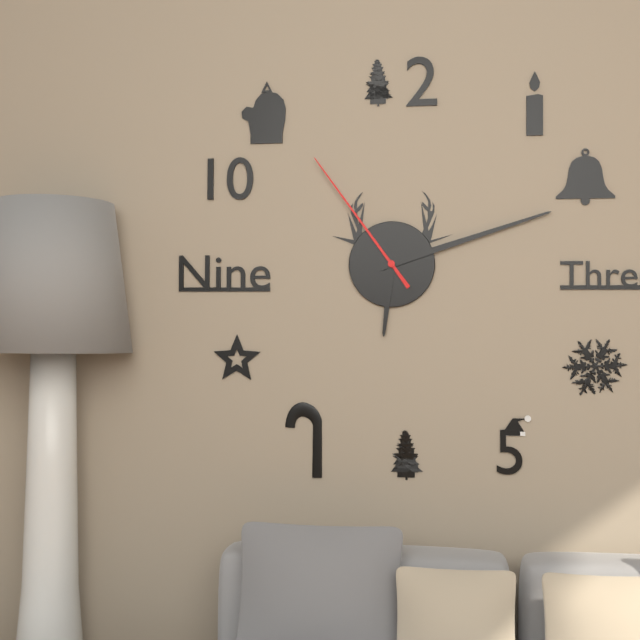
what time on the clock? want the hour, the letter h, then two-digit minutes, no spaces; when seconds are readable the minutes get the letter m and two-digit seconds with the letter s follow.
6h12m54s
